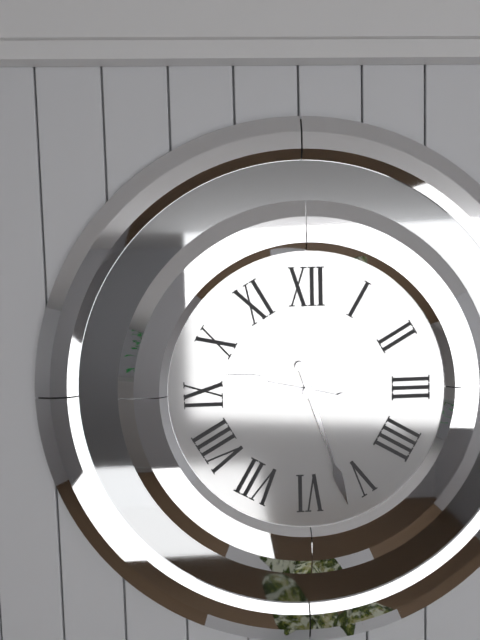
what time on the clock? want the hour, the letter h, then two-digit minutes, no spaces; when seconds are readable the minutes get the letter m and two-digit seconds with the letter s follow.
9h27
